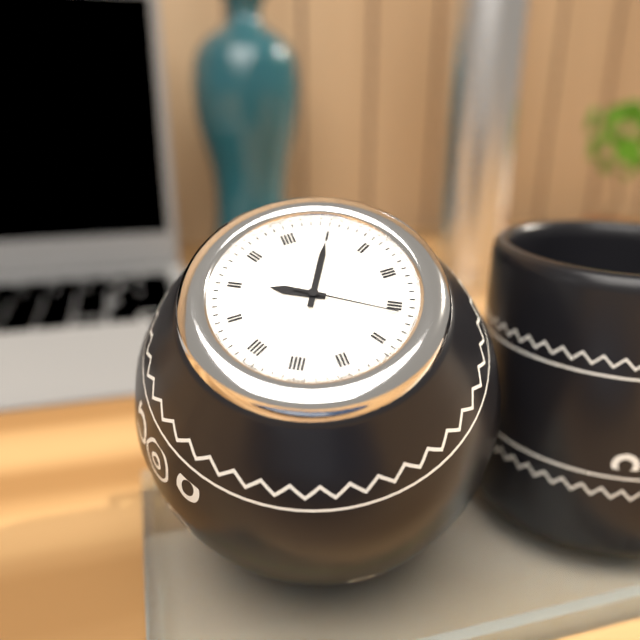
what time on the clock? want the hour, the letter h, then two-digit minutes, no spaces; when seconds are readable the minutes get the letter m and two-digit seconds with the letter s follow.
10h05m21s
